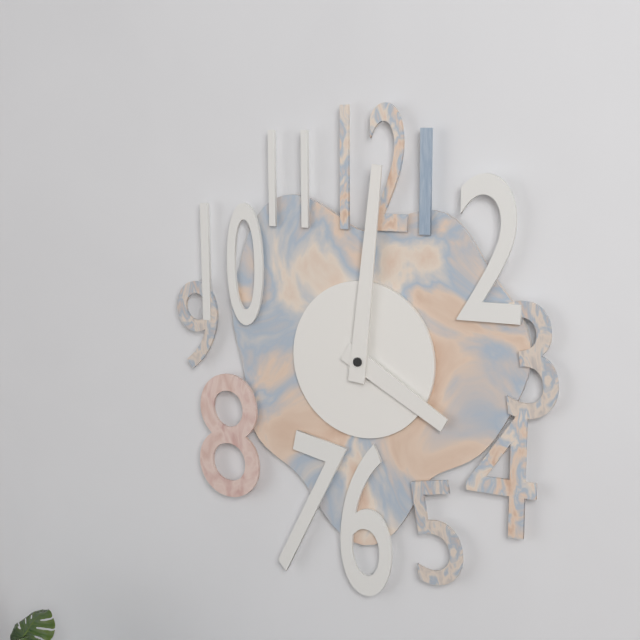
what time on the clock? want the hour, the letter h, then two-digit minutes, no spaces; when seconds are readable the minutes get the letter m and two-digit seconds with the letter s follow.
4h01
